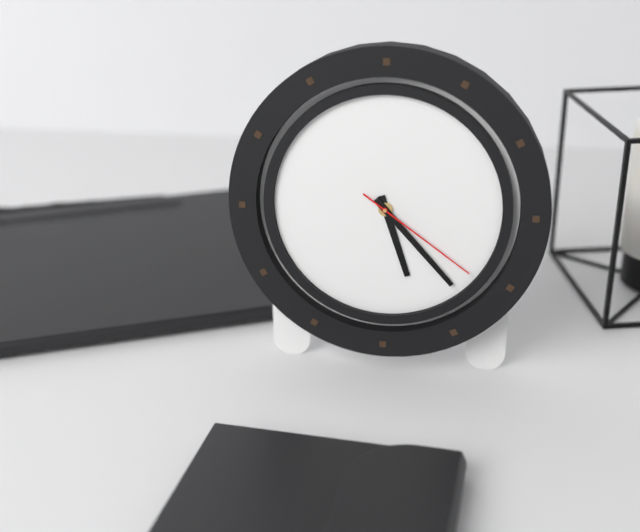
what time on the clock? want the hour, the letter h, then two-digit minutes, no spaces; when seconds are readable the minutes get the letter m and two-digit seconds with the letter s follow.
5h23m21s
